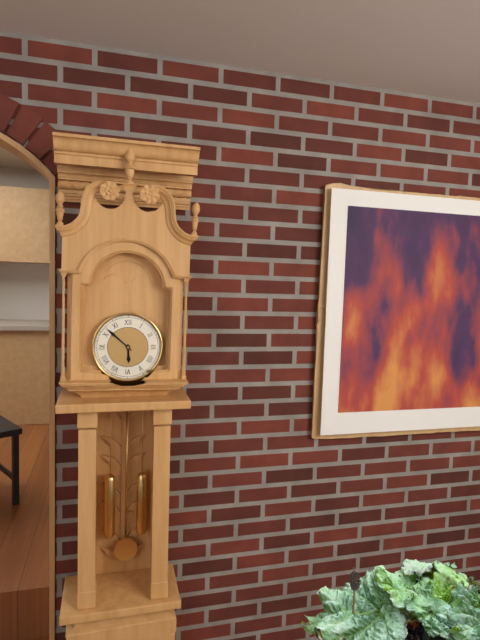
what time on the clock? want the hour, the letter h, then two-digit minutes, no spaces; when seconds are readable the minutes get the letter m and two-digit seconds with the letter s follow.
5h52
